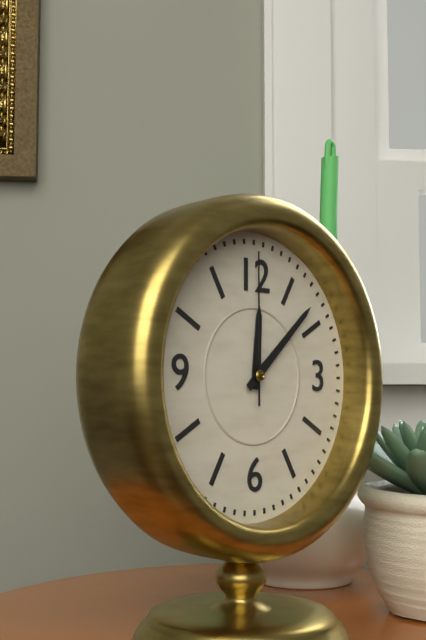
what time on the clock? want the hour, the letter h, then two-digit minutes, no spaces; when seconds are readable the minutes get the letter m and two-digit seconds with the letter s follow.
12h08m00s
